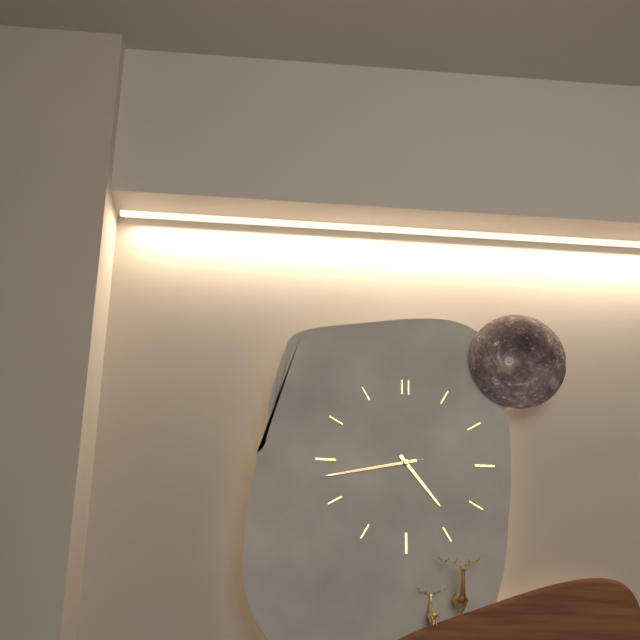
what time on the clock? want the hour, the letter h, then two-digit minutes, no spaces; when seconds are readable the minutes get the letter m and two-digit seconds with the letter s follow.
4h43m43s
